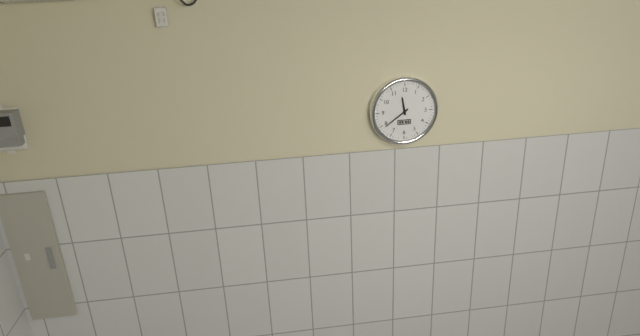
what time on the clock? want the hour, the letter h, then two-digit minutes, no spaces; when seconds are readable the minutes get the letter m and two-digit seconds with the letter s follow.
11h39
